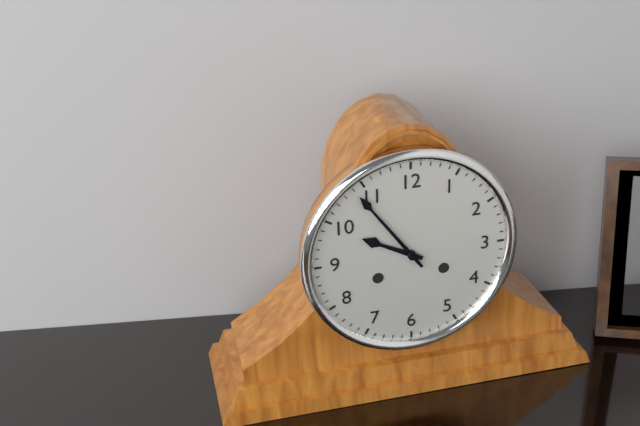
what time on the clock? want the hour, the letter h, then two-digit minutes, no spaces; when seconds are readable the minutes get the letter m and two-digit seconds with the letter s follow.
9h54
